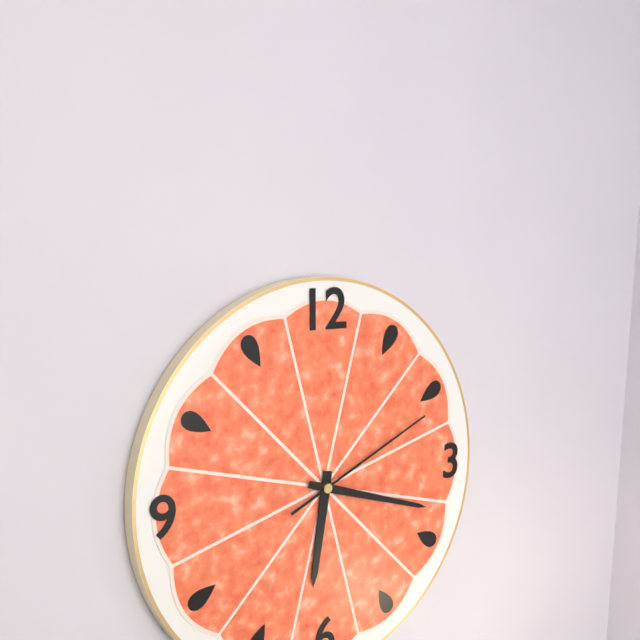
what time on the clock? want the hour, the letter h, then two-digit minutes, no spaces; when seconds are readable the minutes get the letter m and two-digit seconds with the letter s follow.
6h18m11s
